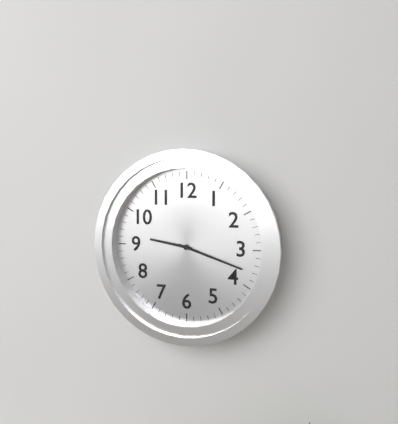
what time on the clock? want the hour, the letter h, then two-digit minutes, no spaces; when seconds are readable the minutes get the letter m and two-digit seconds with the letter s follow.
9h18
